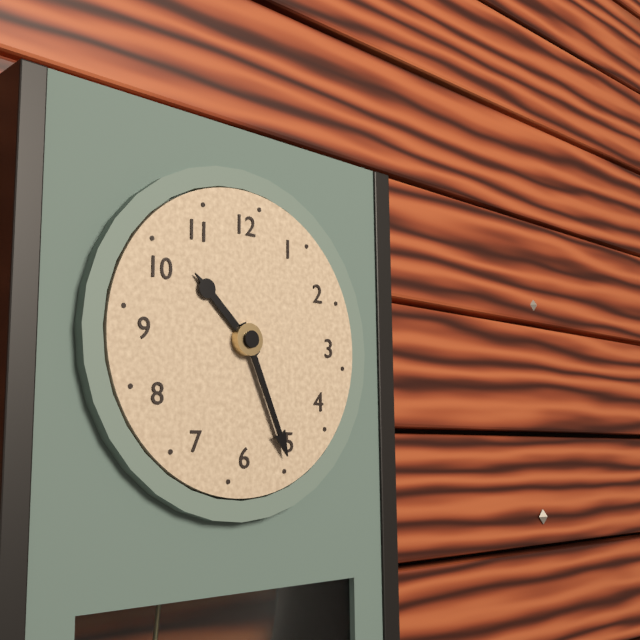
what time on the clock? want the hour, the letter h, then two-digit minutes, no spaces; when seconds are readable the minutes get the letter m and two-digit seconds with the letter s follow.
10h26
